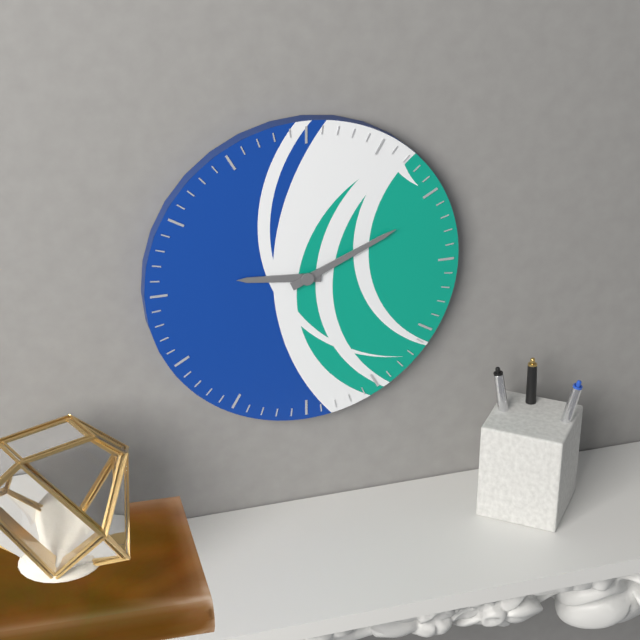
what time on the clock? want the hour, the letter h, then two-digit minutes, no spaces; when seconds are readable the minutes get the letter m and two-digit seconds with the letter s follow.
9h11
